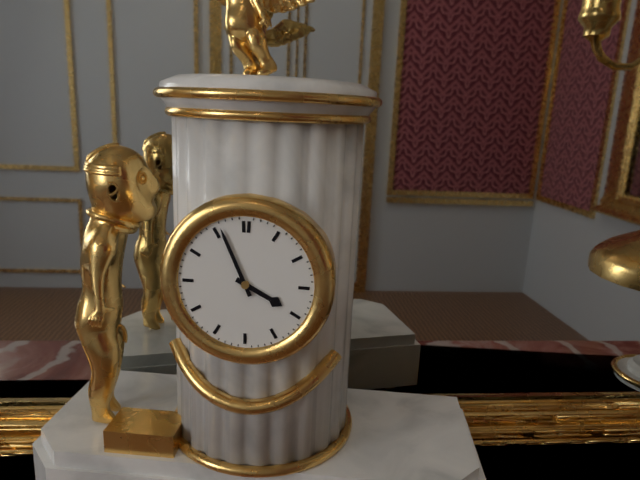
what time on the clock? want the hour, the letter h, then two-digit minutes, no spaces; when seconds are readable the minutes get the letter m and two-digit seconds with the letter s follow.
3h56
